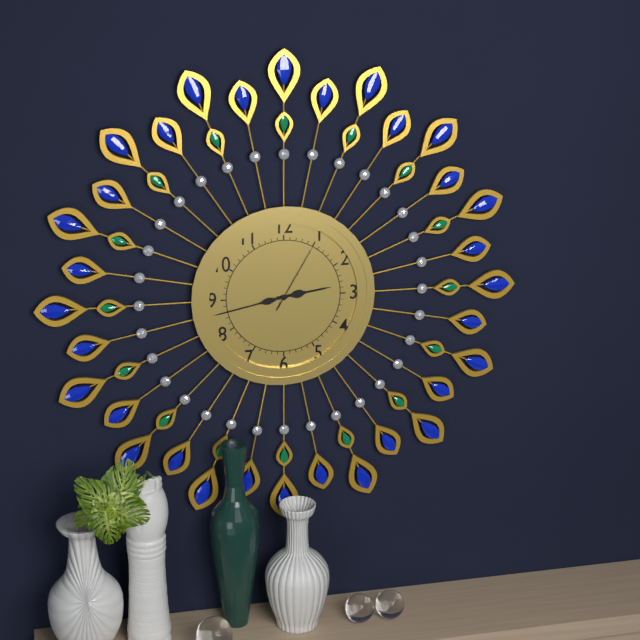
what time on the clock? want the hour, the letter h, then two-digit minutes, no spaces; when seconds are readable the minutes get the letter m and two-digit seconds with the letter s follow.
2h43m05s
